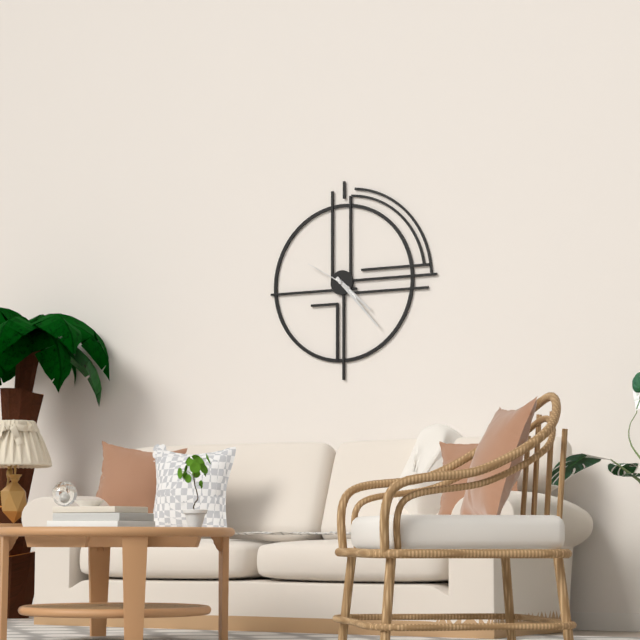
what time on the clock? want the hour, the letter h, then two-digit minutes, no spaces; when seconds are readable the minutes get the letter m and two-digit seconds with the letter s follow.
4h23m50s
